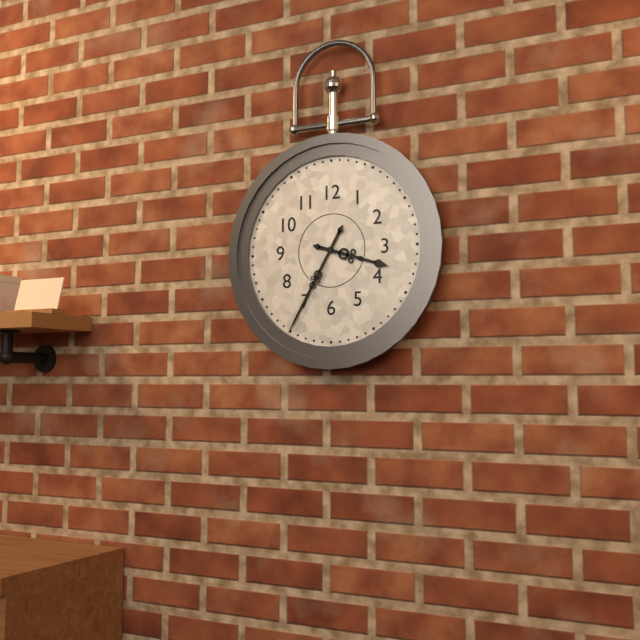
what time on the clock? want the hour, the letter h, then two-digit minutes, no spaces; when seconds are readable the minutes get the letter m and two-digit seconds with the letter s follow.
3h35
